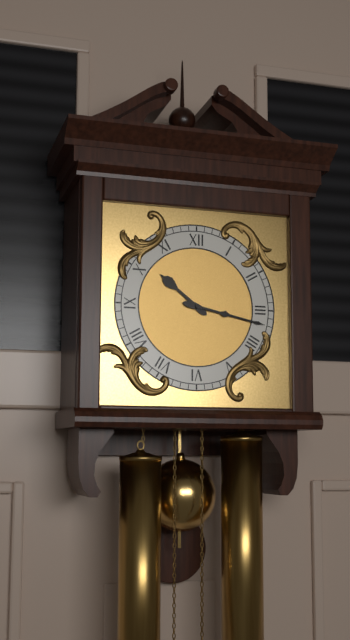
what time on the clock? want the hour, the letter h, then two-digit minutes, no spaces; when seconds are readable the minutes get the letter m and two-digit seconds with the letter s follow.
10h17
